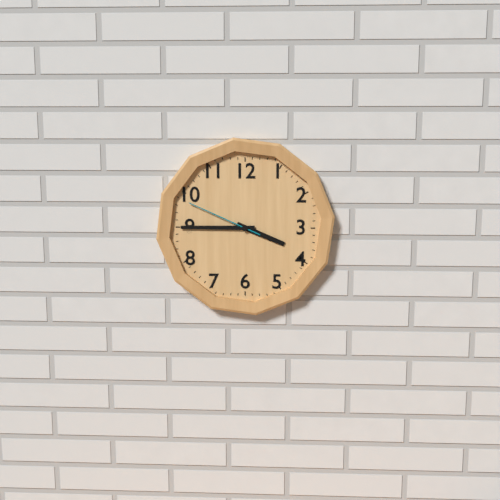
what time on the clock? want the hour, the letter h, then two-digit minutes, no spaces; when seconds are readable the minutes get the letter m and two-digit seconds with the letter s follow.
3h45m49s
